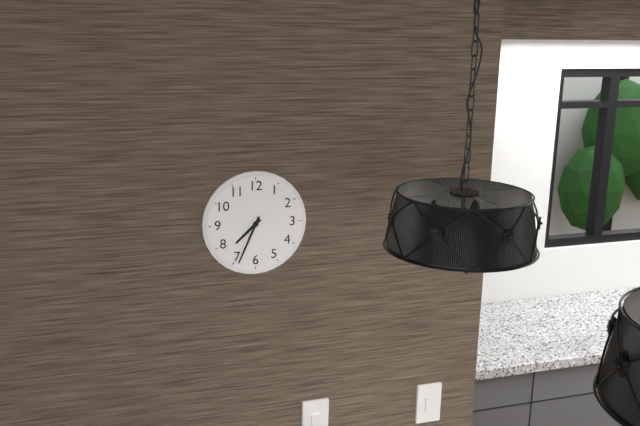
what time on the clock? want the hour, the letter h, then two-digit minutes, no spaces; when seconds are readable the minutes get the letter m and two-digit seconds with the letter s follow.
7h34
